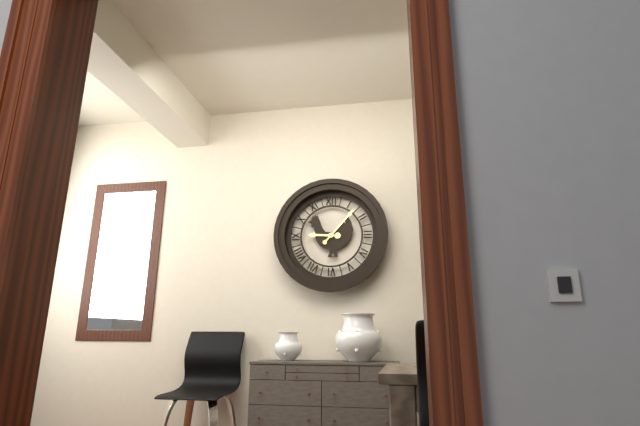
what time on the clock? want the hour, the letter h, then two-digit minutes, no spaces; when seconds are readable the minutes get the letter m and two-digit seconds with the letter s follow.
9h07
